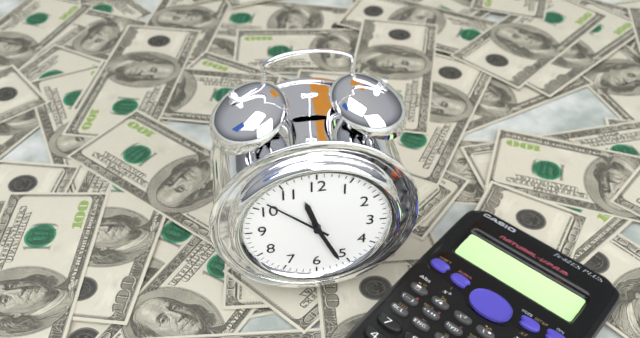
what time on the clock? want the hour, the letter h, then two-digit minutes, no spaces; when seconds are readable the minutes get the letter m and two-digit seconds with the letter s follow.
11h26m52s
